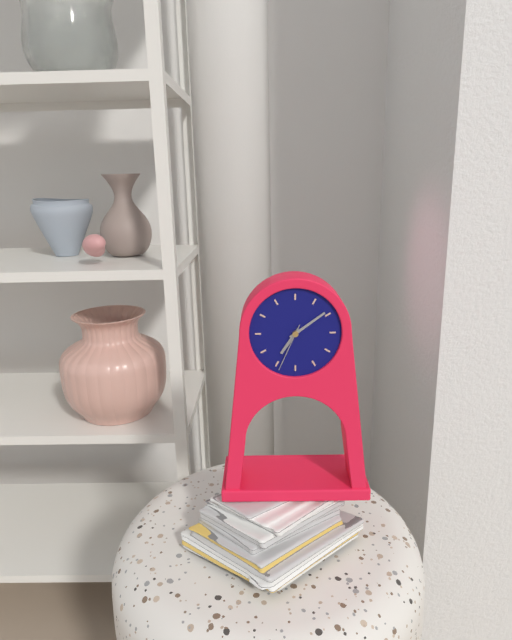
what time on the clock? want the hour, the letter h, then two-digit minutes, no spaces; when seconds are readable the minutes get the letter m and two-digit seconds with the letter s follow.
7h09
